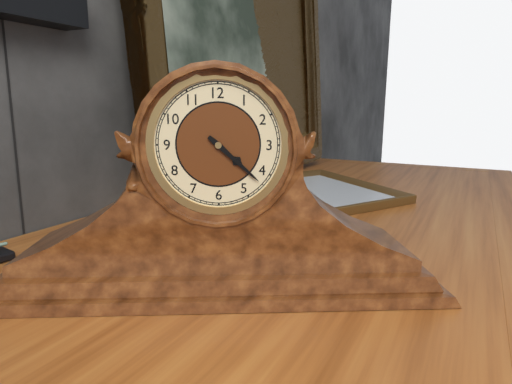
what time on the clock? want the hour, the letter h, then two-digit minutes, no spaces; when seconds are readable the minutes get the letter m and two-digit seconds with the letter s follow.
4h22
